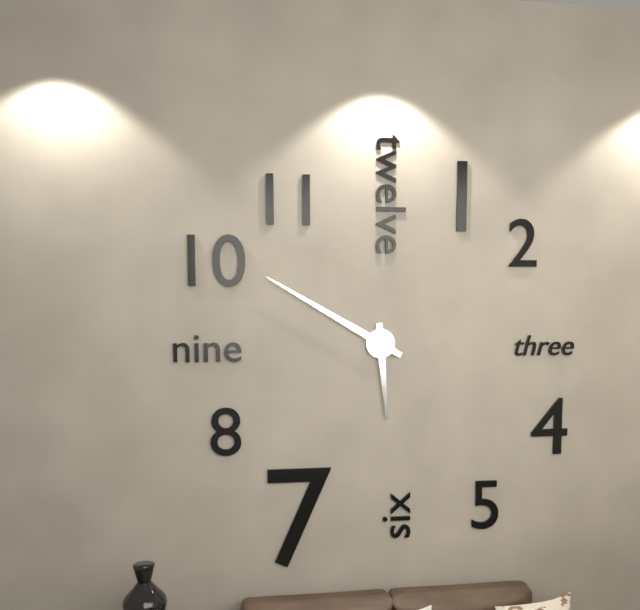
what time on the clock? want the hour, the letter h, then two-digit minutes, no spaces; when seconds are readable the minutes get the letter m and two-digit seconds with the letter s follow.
5h50
